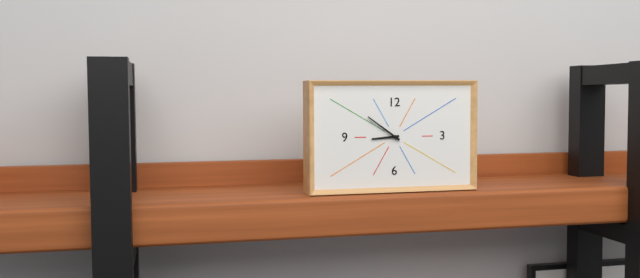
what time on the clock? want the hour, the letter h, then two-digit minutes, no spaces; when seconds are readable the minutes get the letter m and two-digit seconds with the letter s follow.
8h51
